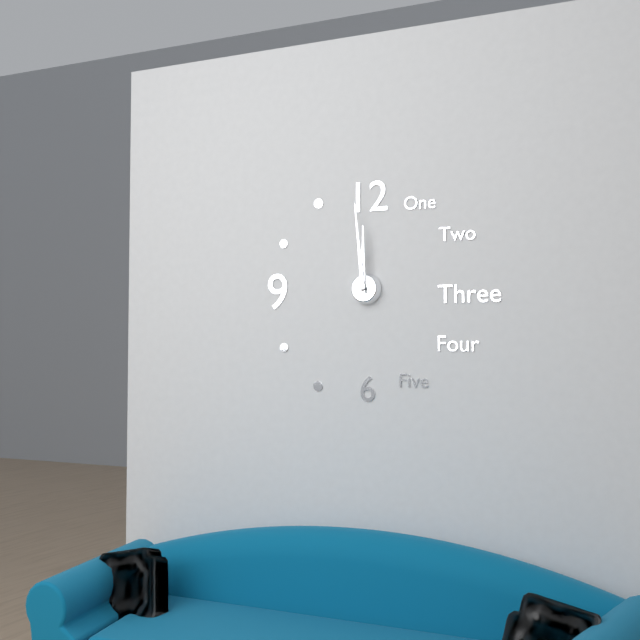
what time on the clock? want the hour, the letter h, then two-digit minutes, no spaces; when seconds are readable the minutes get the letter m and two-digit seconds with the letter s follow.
11h59
